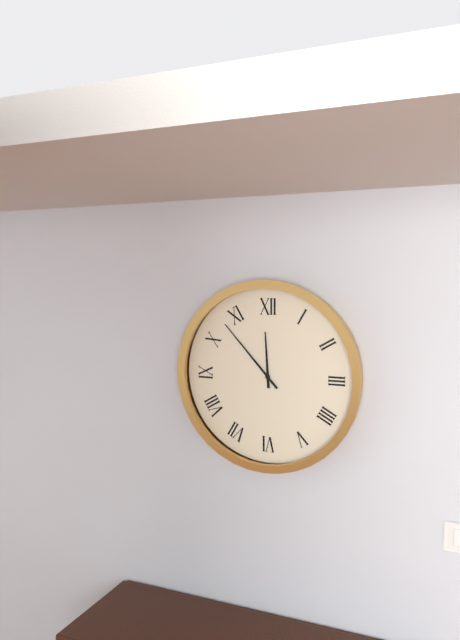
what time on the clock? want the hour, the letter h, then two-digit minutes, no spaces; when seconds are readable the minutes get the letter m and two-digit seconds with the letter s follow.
11h53
